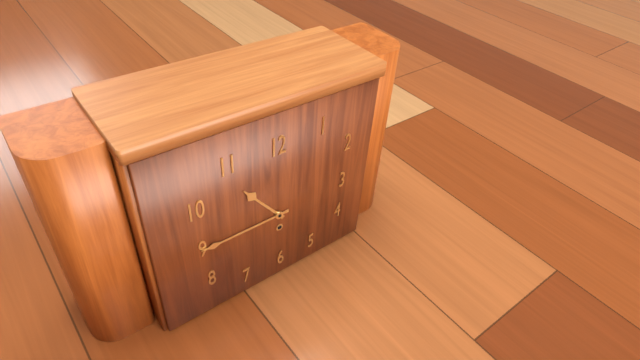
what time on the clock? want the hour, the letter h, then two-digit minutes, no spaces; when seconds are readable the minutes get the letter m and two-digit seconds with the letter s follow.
10h45
